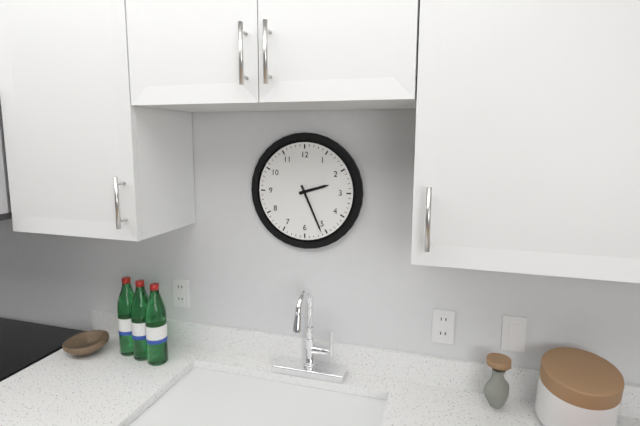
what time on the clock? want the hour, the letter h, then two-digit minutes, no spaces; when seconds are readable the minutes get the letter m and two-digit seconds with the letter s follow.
2h26
